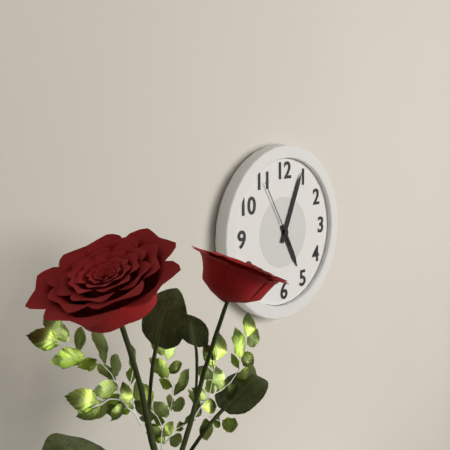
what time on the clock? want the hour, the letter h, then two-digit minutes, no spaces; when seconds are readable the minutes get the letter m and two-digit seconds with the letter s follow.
5h04m55s
